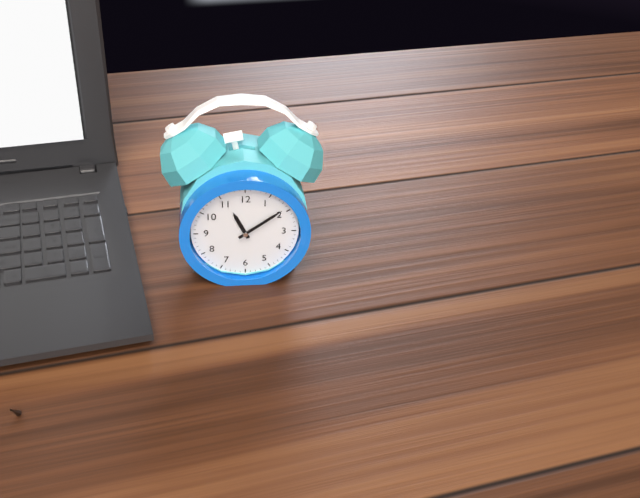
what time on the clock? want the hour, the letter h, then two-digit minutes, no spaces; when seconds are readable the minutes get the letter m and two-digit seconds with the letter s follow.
11h09
